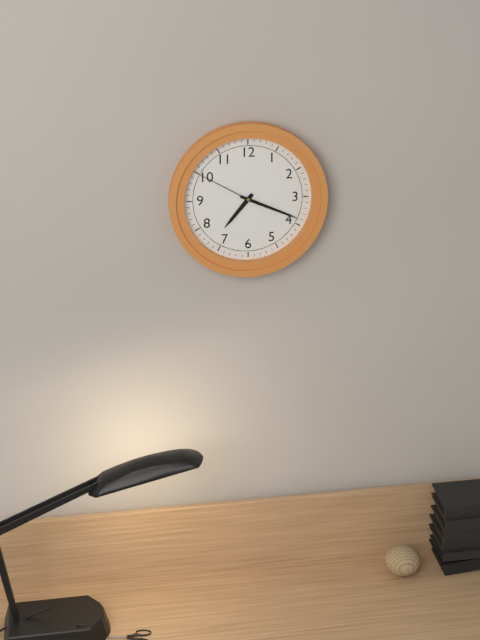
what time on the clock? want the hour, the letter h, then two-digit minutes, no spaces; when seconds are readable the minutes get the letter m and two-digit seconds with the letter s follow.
7h19m50s
